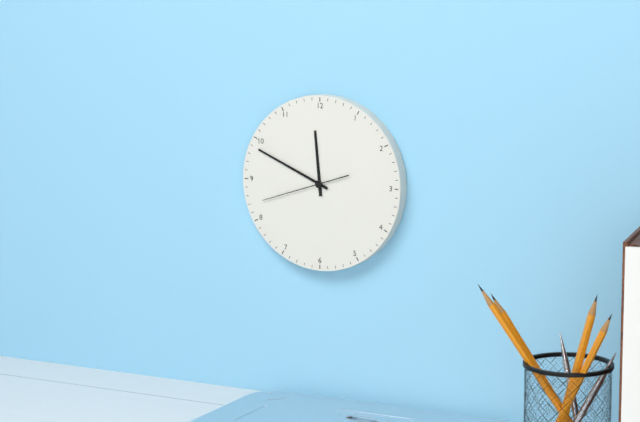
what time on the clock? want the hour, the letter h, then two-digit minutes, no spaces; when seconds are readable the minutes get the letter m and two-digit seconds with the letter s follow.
11h49m42s
